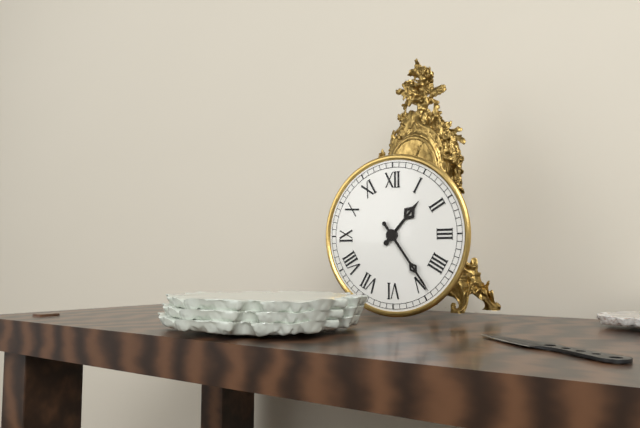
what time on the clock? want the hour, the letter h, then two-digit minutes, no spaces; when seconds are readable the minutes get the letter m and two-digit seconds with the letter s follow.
1h24
